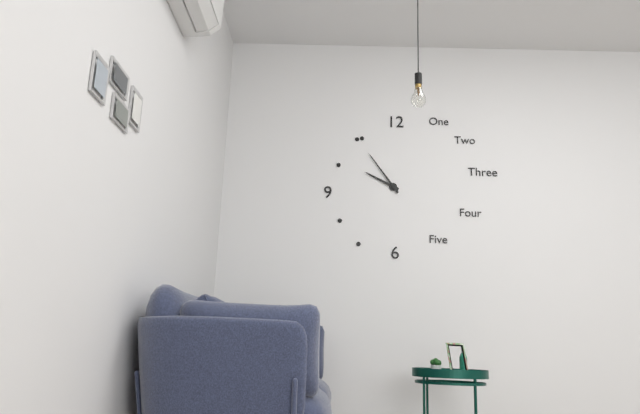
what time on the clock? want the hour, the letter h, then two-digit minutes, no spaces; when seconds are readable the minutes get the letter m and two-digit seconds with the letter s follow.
9h54
